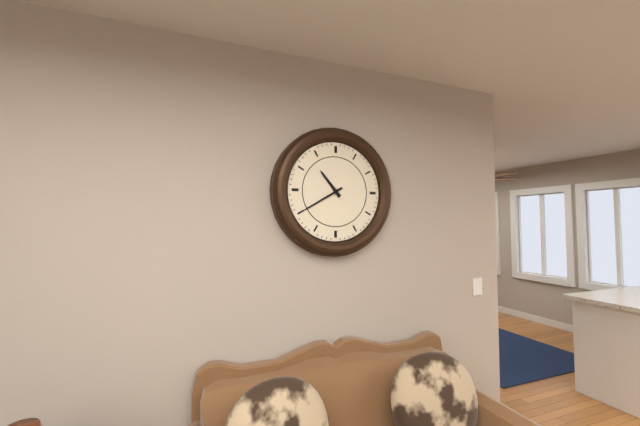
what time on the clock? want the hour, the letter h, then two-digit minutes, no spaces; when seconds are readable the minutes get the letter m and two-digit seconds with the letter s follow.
10h40
